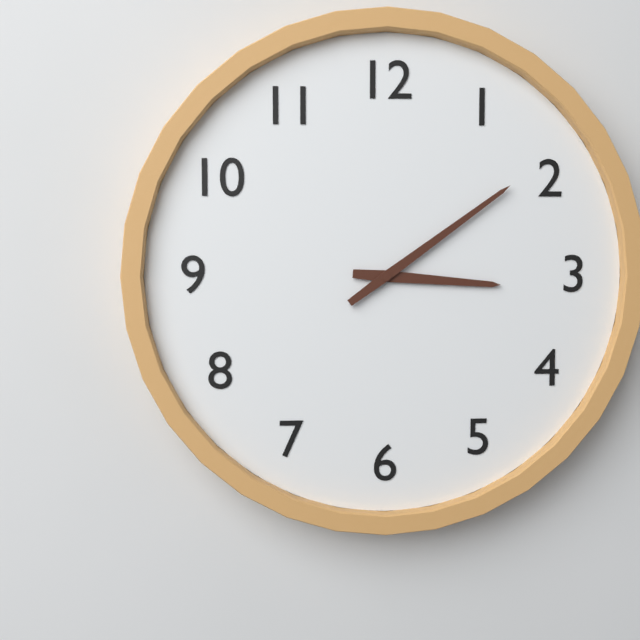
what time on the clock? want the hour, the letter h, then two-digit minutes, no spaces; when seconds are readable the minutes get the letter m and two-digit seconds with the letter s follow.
3h09
